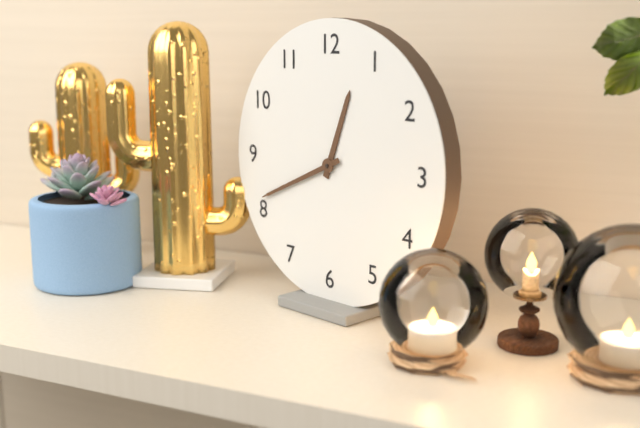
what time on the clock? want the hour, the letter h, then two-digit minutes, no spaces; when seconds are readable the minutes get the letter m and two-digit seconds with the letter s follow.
12h41
